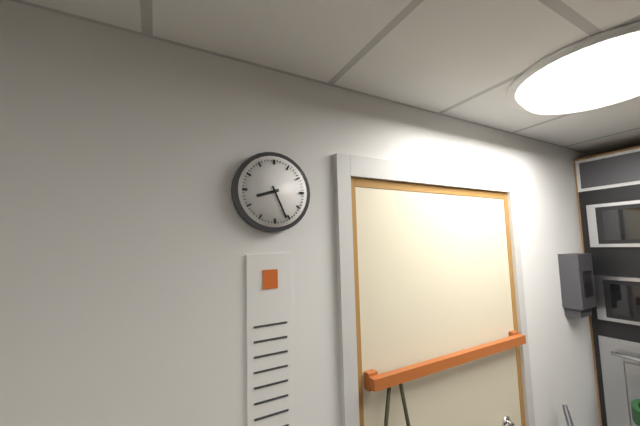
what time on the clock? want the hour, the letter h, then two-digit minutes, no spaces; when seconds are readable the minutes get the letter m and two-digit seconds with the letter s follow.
8h26
